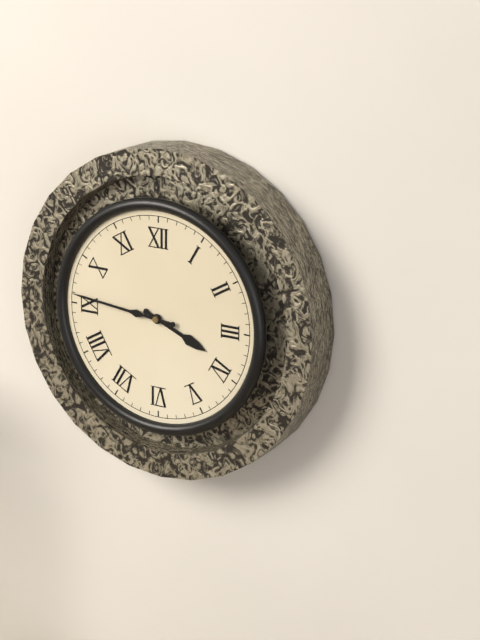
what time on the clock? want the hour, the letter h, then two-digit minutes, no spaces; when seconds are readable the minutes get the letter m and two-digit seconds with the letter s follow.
3h46
